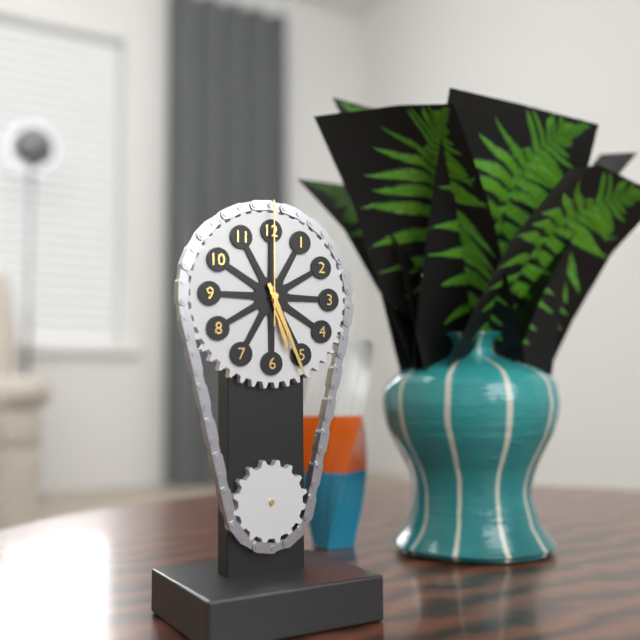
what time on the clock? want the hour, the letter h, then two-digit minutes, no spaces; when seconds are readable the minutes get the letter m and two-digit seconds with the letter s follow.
5h26m00s
